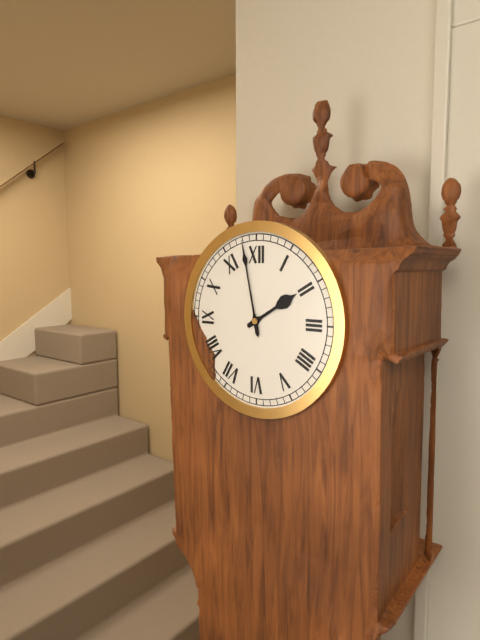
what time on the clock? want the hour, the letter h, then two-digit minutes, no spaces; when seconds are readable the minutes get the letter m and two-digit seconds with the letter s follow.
1h58
